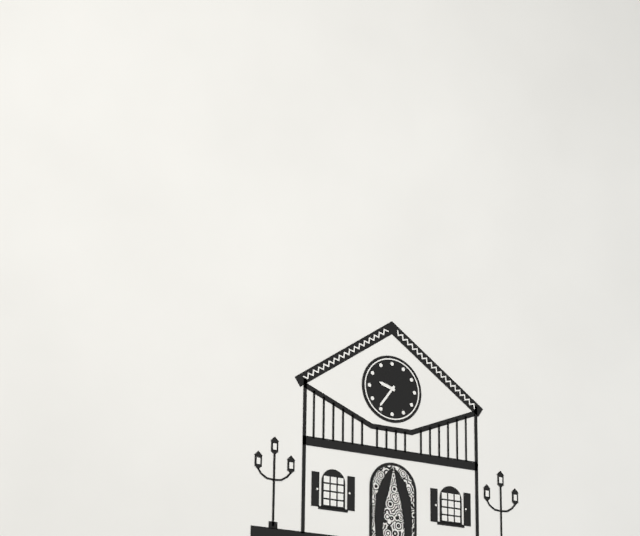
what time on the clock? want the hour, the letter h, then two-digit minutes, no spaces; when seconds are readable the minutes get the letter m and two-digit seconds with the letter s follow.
9h36
